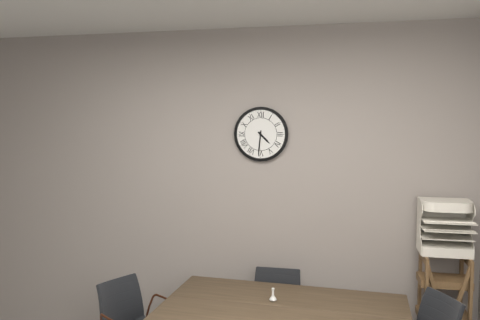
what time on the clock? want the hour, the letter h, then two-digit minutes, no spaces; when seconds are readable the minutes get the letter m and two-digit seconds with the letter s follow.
4h31
